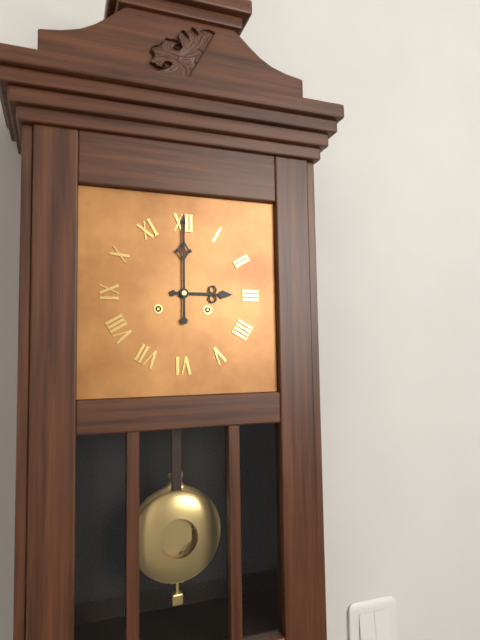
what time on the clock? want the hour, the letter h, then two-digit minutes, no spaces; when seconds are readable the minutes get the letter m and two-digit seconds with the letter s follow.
3h00
